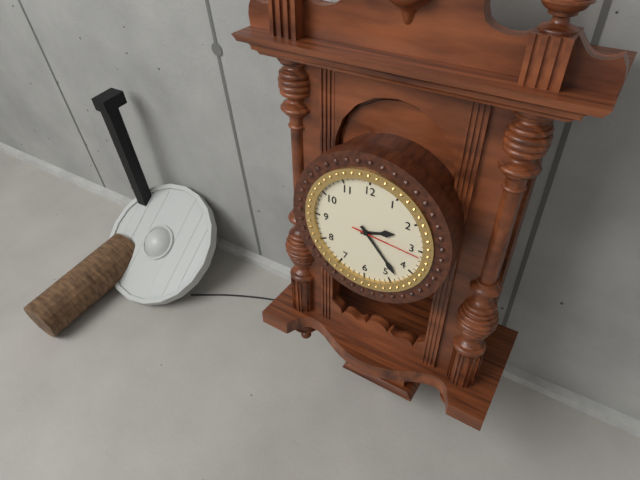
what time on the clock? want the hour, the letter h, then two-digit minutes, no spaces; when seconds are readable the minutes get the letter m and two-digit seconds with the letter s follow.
2h23m16s
